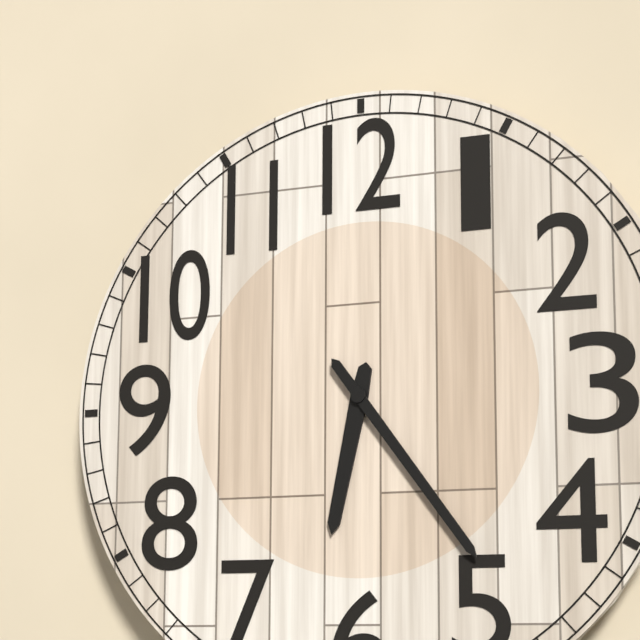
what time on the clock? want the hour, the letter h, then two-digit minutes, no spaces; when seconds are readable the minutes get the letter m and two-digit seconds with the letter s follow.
6h24
